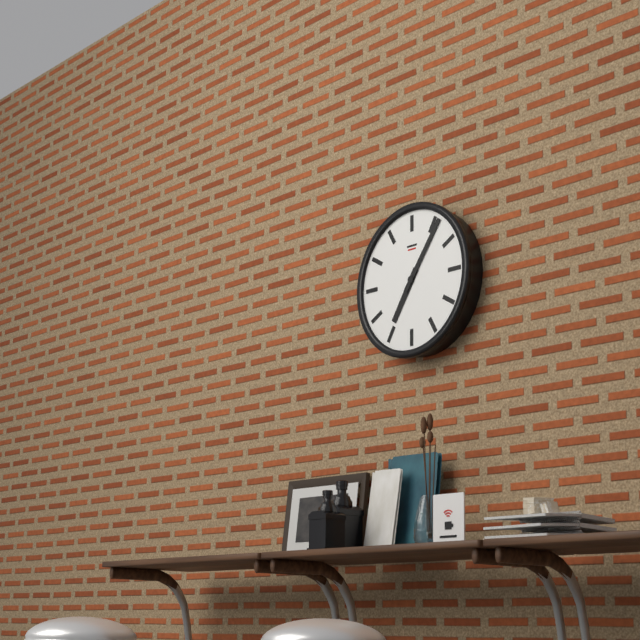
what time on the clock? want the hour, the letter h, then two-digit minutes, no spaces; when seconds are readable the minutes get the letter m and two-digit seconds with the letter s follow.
7h06
